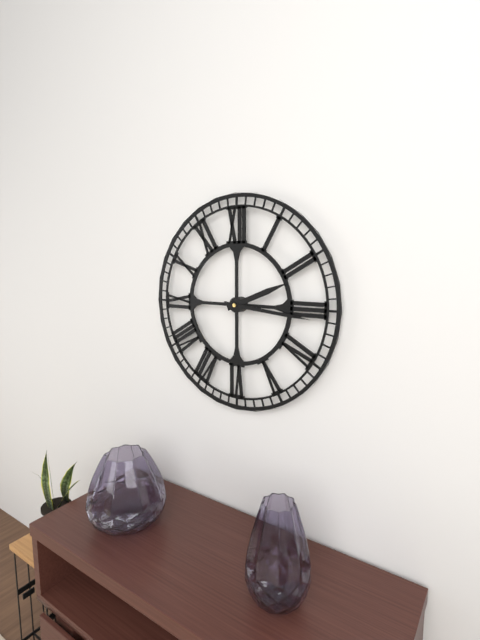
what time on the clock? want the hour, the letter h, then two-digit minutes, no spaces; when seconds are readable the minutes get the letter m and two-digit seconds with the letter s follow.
2h16
